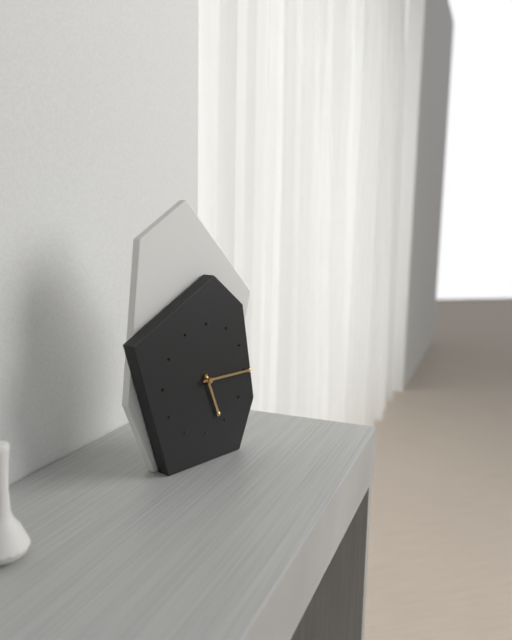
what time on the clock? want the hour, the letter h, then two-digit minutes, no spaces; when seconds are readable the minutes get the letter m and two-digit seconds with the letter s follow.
5h15
